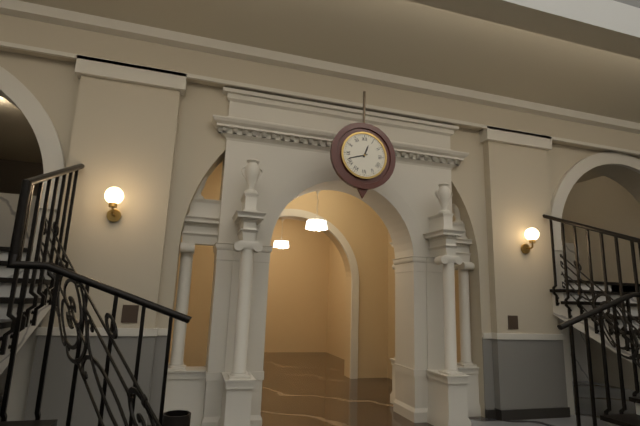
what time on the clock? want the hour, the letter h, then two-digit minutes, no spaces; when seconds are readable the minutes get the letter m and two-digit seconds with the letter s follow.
12h42
